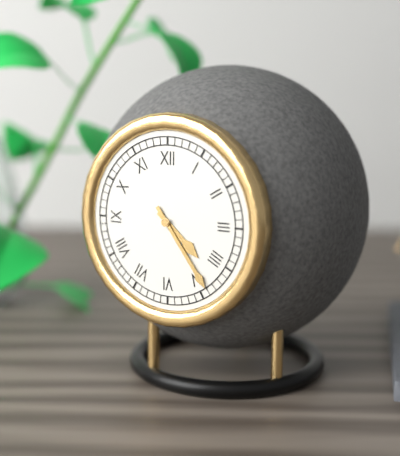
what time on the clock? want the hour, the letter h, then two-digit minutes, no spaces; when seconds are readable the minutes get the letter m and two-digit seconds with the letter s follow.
4h24
